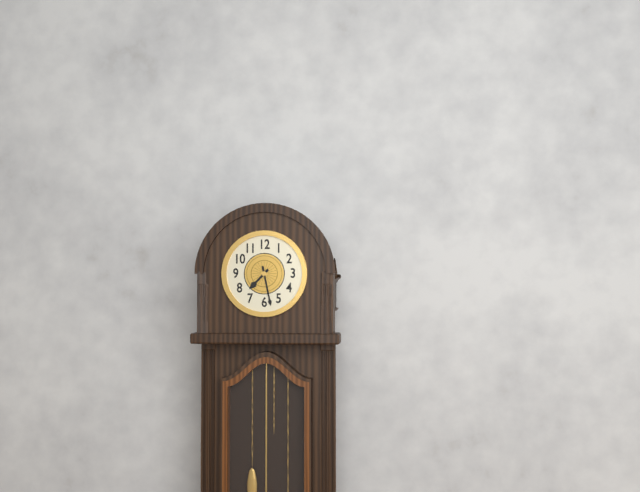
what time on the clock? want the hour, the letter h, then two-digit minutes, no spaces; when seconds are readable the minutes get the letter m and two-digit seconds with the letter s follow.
7h28
